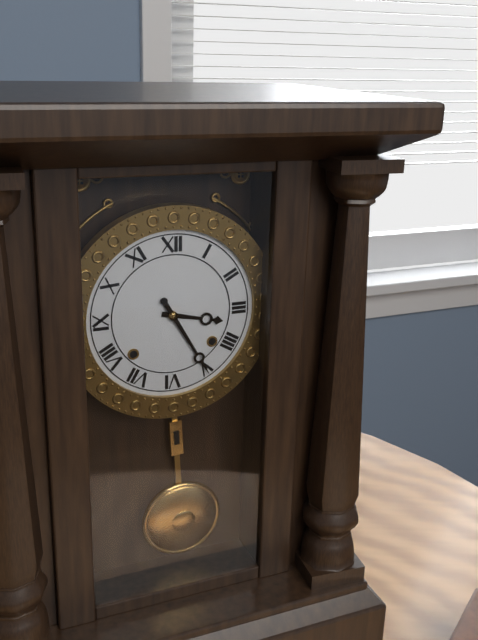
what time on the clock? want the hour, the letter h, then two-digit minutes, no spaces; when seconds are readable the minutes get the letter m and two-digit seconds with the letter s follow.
3h25
